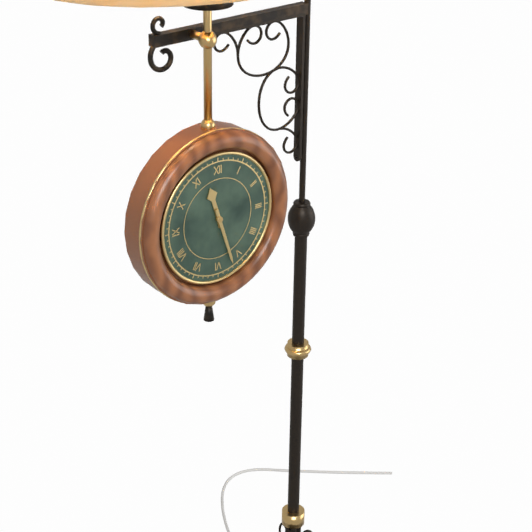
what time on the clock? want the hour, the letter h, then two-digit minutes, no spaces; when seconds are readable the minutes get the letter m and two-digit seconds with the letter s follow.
11h27
